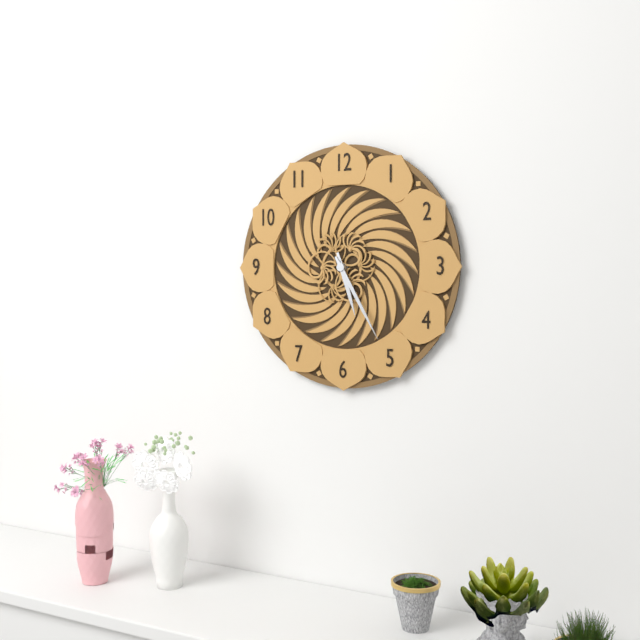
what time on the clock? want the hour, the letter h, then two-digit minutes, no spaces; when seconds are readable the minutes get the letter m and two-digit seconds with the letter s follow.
5h25
